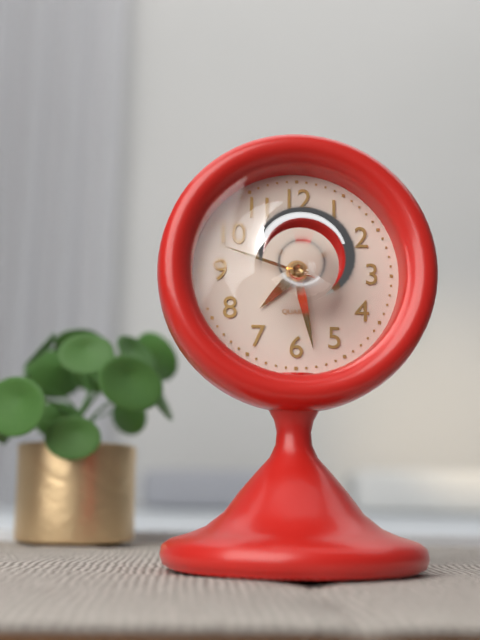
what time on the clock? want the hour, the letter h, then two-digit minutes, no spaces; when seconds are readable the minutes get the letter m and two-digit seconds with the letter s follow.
7h28m48s
